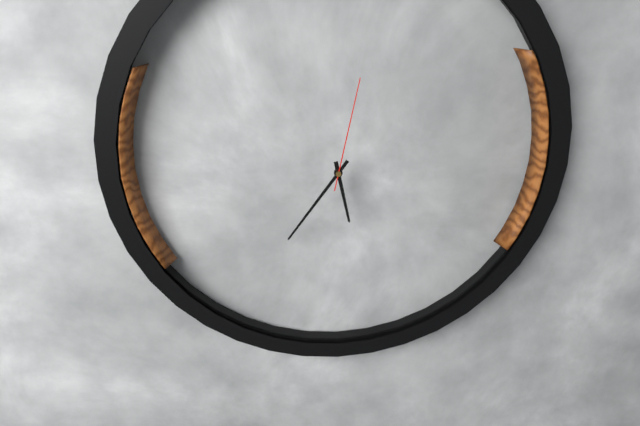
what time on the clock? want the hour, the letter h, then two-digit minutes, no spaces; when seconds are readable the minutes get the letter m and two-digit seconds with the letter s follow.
5h36m02s
